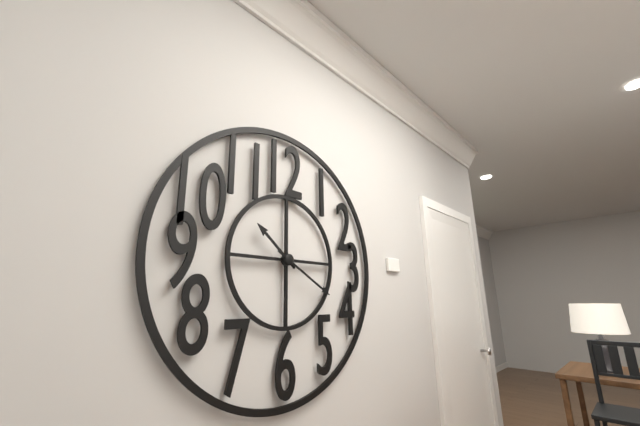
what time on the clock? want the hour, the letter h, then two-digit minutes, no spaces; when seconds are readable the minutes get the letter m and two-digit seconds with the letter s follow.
10h20
